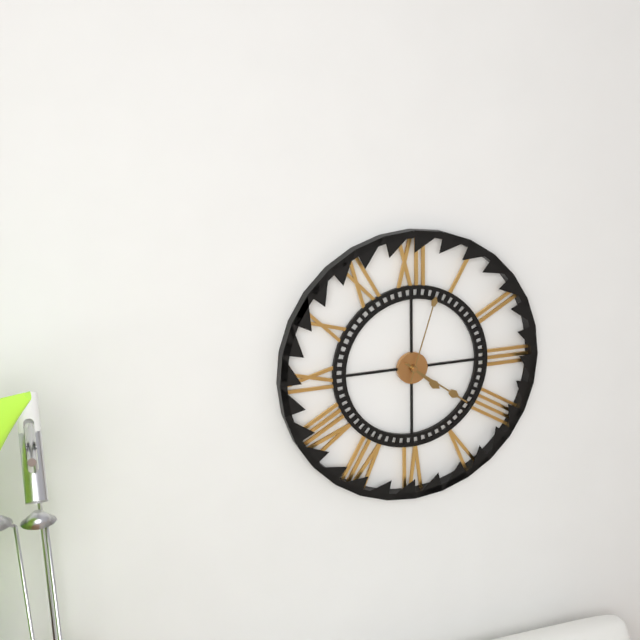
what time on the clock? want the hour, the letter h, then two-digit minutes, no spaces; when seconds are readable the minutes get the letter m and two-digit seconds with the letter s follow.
4h21m03s
